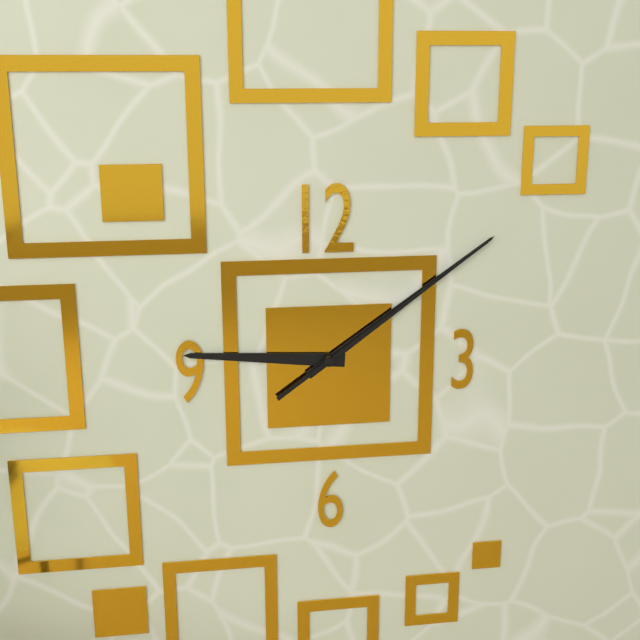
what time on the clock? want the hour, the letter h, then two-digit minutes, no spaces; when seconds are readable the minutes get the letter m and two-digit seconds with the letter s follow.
9h09m09s
